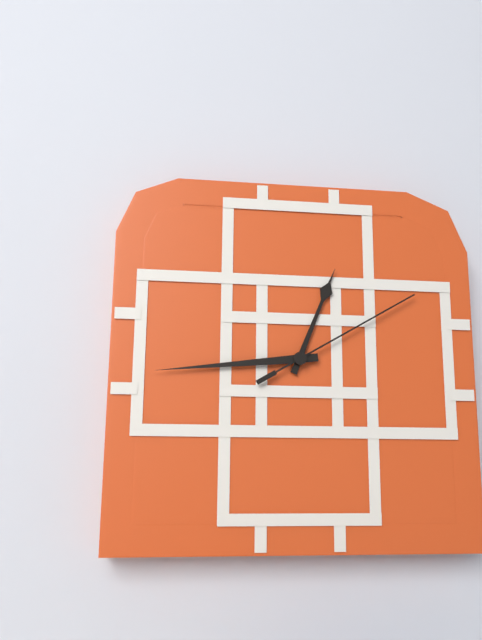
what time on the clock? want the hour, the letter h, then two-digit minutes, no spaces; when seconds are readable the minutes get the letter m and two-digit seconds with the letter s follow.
12h44m10s
